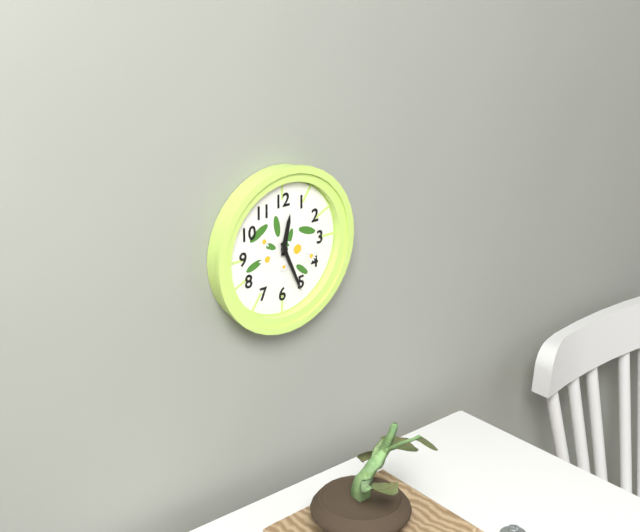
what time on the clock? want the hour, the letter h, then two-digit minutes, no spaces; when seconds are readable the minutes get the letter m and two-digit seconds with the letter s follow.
12h26
